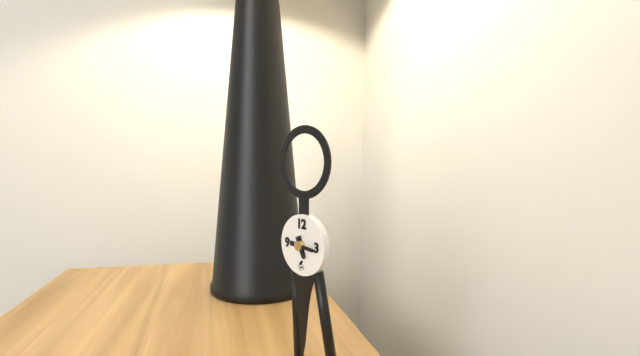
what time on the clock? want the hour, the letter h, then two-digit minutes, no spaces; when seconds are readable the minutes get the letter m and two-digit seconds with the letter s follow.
5h16
